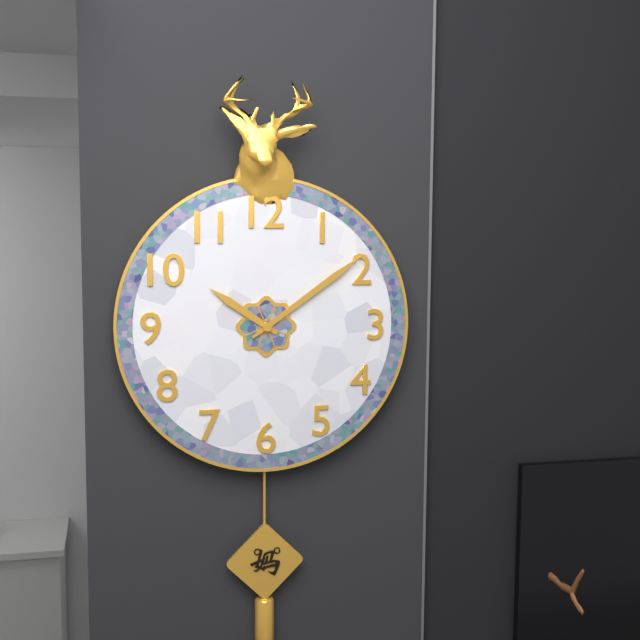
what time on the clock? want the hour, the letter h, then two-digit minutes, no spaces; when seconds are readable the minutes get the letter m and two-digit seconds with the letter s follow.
10h09
